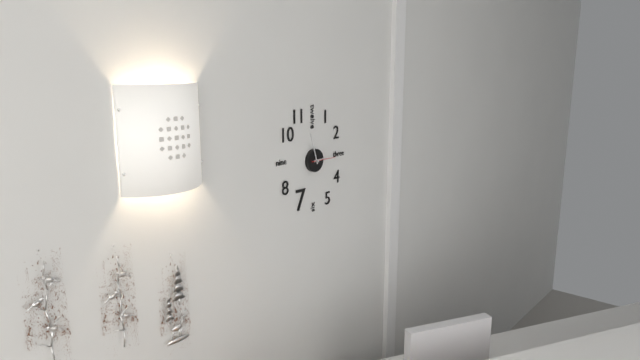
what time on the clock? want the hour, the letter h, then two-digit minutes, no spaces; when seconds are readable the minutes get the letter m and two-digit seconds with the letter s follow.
2h57
